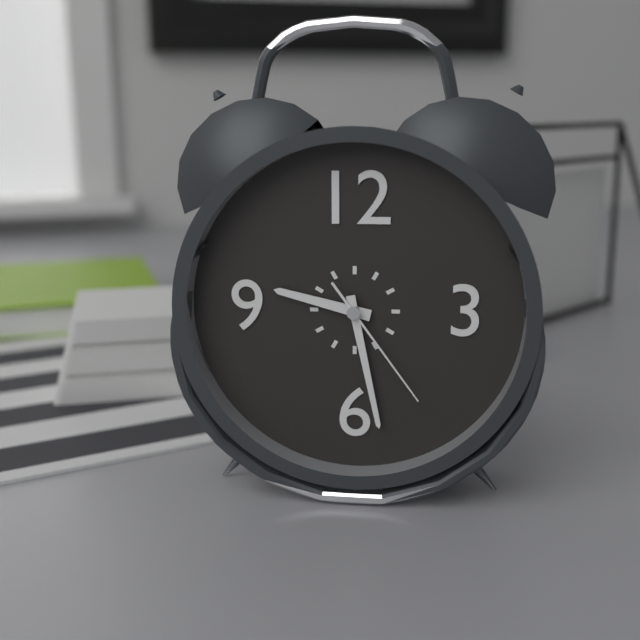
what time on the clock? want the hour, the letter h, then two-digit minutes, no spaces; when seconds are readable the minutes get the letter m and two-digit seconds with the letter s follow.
9h28m24s
